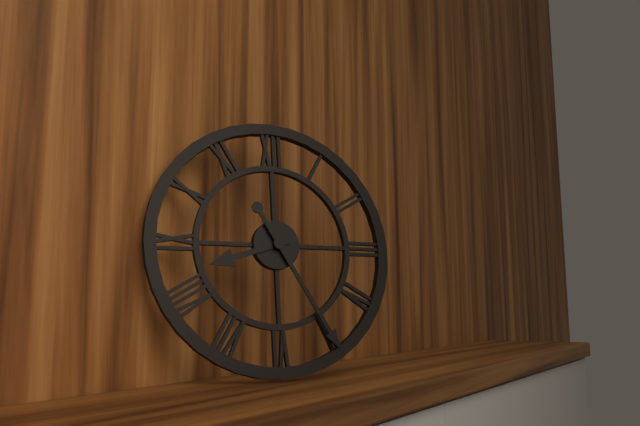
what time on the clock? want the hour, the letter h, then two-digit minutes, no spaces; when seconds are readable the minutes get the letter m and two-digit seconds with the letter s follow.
8h25
